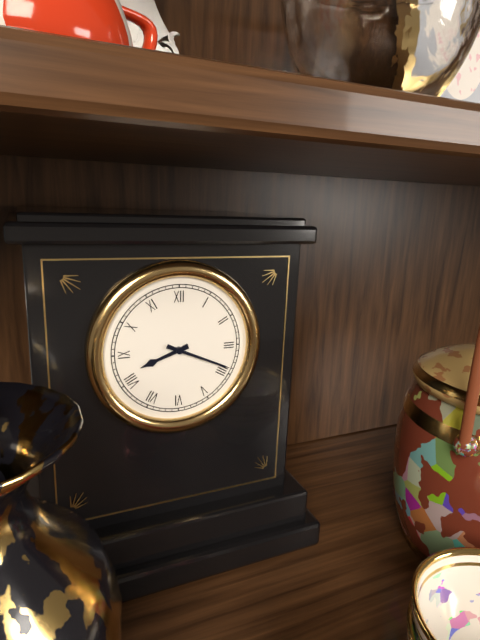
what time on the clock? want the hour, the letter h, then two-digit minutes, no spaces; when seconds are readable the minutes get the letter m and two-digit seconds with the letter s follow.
8h19
